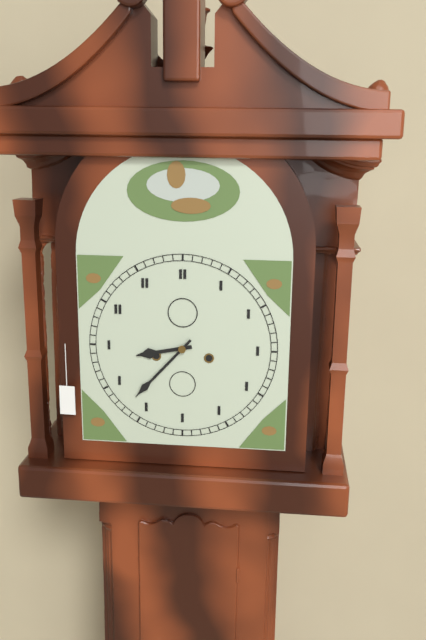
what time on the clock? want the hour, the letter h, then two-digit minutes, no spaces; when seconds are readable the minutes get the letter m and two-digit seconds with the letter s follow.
8h37
